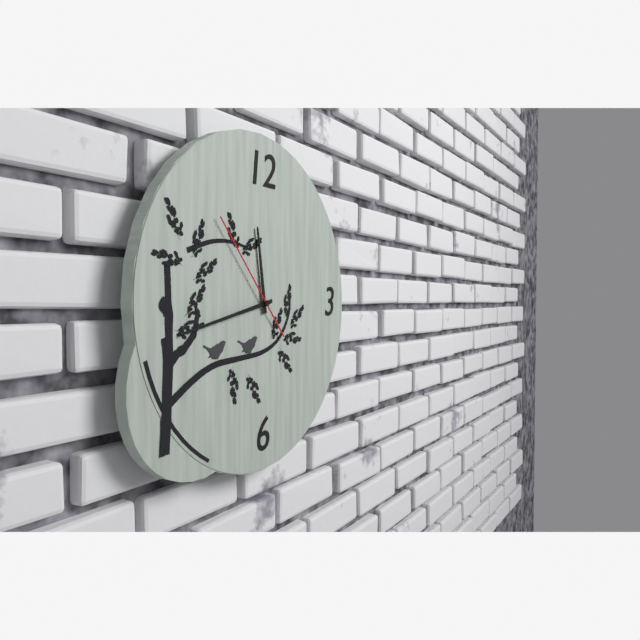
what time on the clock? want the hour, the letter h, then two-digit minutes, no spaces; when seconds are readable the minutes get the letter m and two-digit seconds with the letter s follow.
11h43m53s
